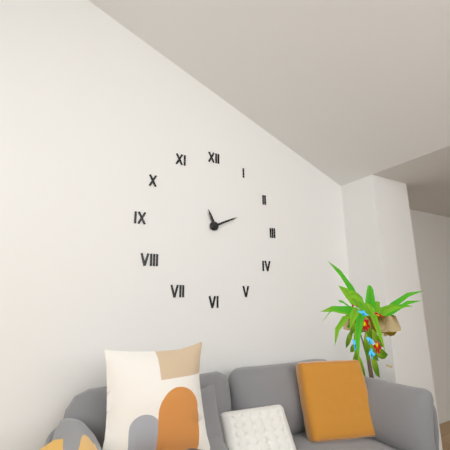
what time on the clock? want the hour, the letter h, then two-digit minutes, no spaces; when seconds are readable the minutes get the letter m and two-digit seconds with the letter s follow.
11h11
